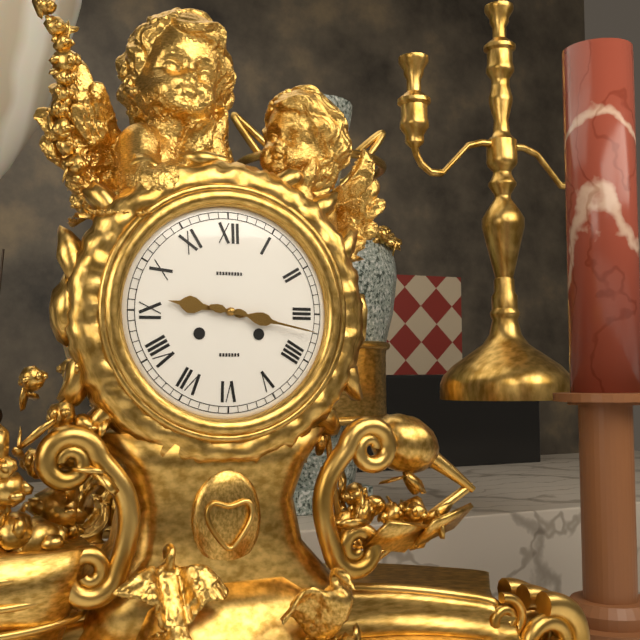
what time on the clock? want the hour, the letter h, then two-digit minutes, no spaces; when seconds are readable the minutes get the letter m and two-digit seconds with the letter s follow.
9h17
